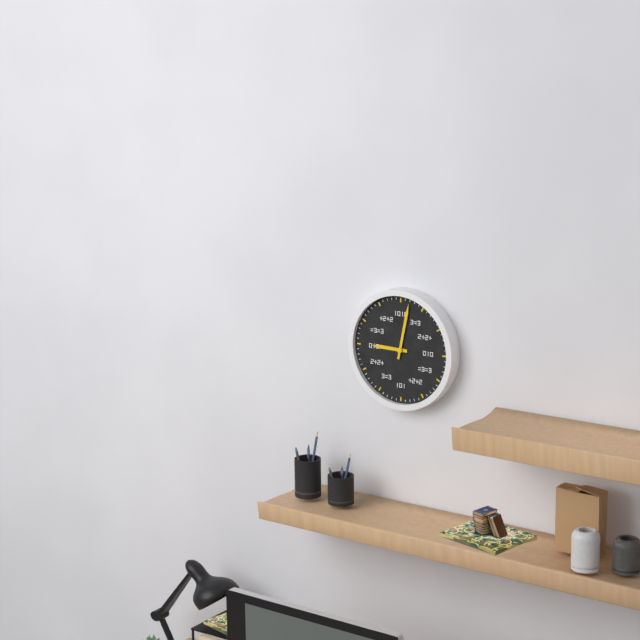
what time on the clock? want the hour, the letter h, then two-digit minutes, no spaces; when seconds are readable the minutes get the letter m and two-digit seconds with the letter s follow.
9h02
